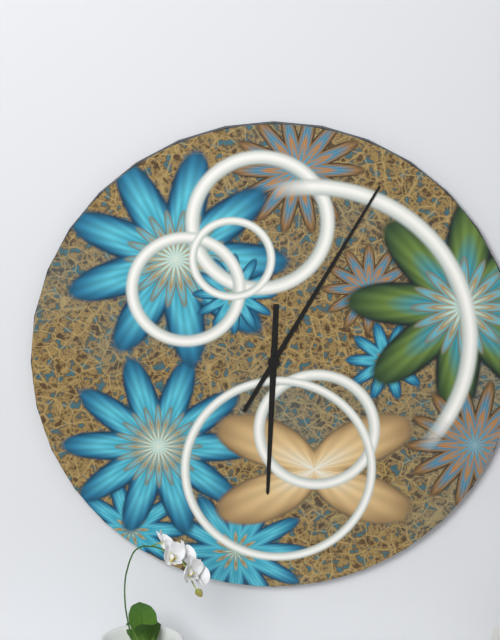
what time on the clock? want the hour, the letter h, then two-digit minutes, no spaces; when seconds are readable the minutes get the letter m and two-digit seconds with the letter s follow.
6h05
